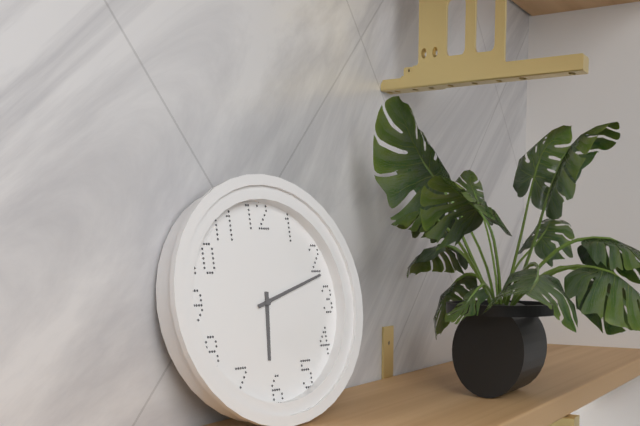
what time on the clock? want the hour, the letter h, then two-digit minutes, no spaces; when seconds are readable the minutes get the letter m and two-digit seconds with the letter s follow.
6h12
